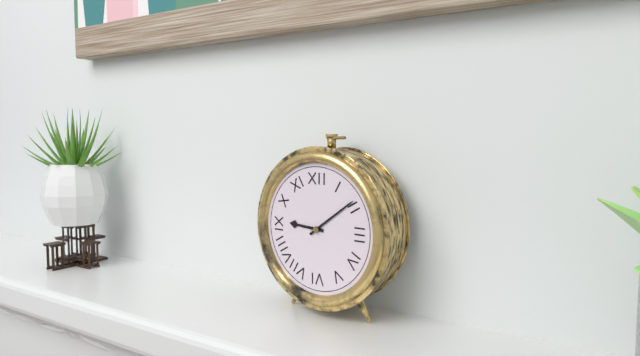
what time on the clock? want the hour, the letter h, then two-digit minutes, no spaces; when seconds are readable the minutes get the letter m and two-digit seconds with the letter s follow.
9h09
